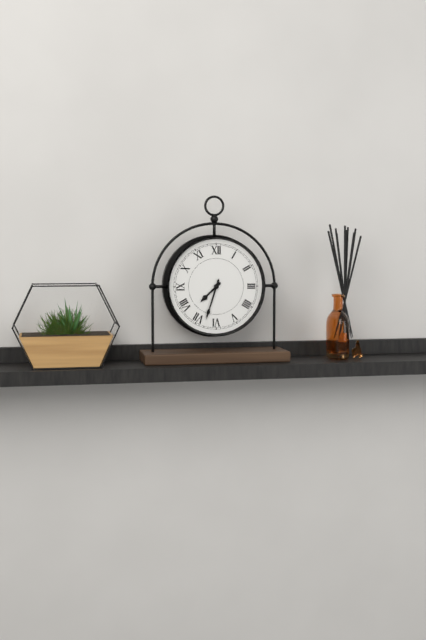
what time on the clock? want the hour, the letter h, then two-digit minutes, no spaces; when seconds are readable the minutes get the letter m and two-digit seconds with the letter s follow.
7h33
